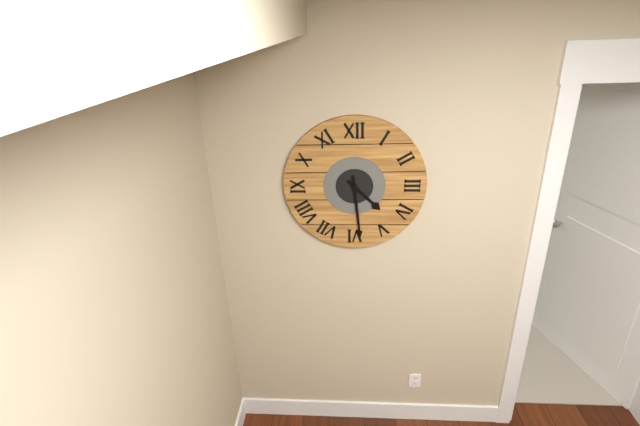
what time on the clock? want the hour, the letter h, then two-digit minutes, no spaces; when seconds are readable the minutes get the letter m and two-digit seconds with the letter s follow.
4h29
